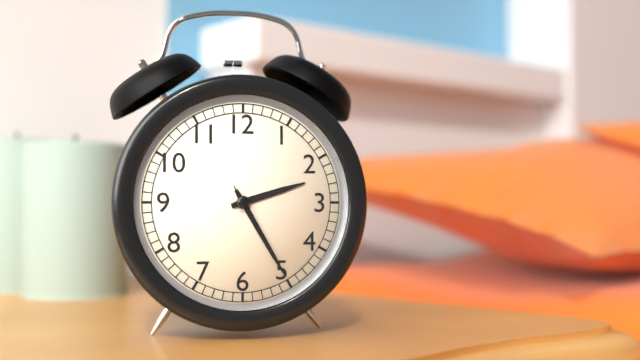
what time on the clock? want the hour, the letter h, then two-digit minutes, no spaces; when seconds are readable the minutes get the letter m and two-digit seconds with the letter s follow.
2h25m25s
